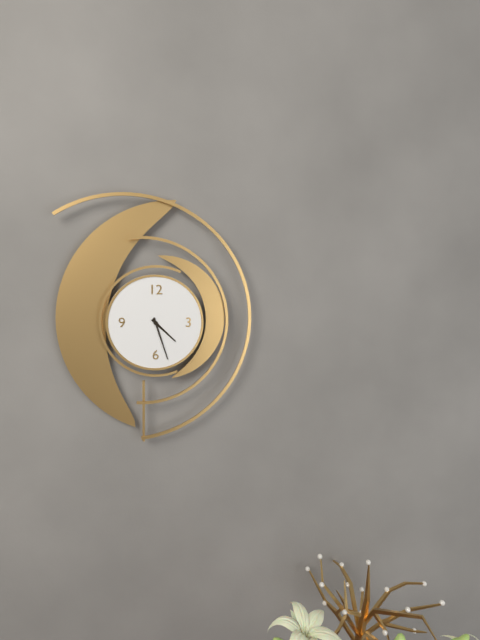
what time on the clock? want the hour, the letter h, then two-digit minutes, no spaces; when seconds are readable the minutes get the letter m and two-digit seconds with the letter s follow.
4h27
